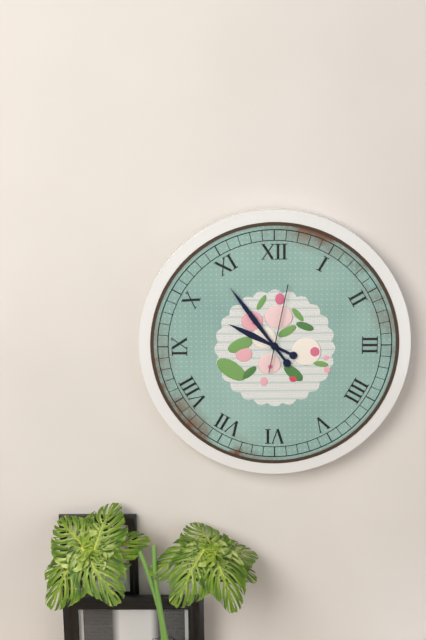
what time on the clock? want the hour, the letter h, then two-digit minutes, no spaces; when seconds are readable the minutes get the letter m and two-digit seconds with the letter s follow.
9h54m02s
